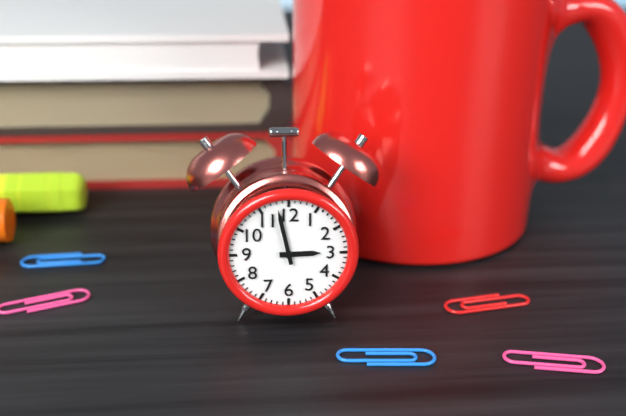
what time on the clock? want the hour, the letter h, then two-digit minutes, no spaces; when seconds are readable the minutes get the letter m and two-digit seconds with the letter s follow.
2h58
